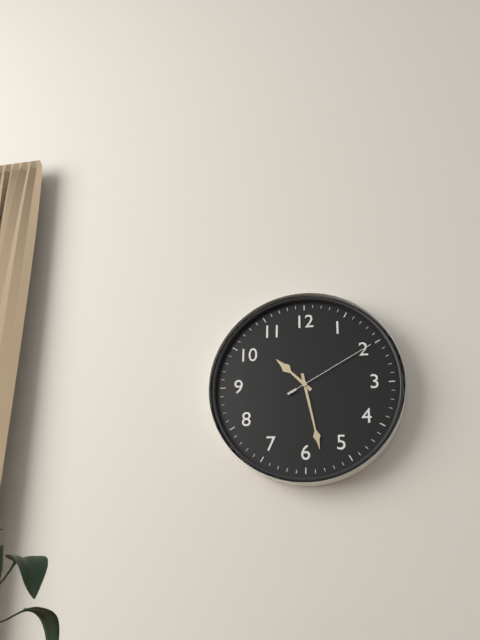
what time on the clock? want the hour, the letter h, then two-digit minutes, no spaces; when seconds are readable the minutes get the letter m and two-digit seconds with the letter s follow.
10h28m10s
